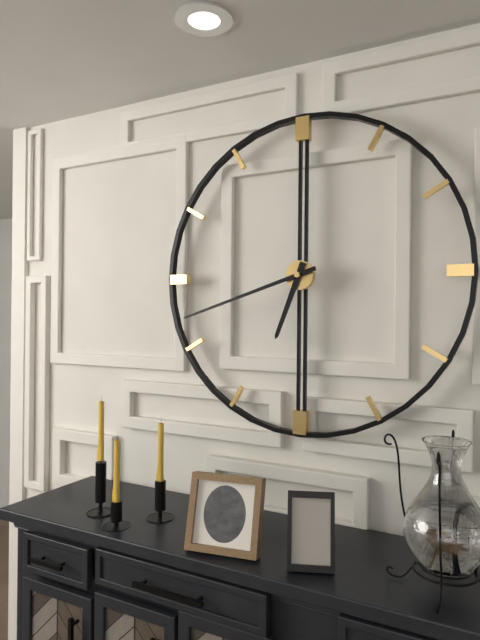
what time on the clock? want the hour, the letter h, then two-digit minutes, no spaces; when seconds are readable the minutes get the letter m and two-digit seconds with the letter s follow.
6h42
